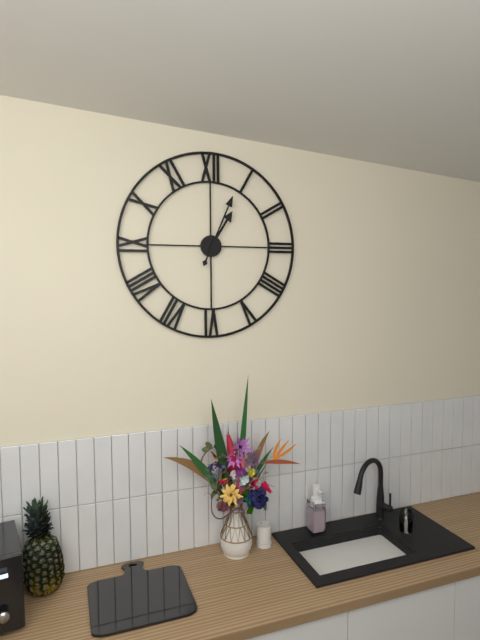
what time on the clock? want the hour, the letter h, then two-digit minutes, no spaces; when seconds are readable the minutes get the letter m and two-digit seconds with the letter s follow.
1h04
